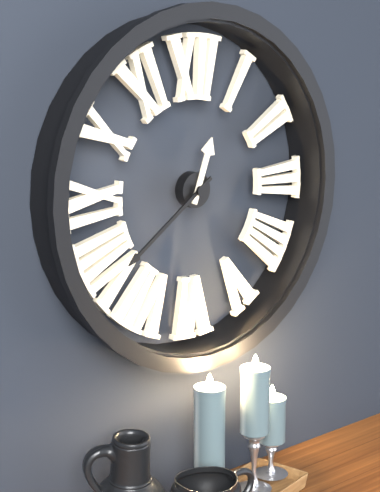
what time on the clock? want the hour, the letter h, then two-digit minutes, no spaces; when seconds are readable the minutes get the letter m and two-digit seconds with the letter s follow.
12h39
